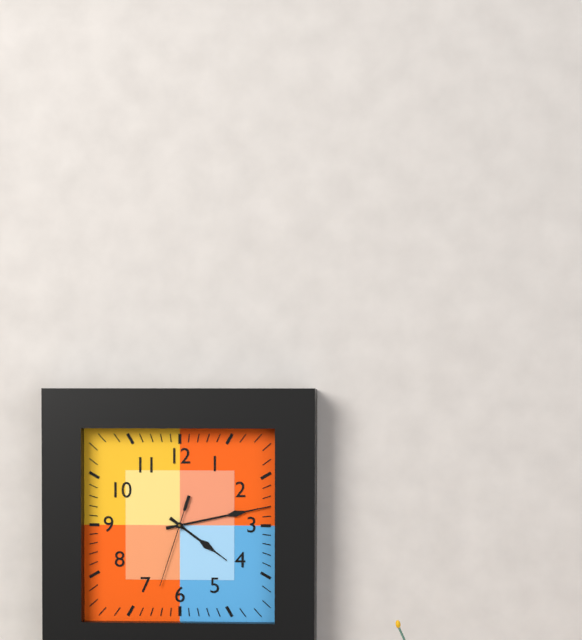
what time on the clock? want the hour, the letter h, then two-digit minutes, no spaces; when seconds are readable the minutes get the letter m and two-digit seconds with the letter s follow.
4h13m33s
